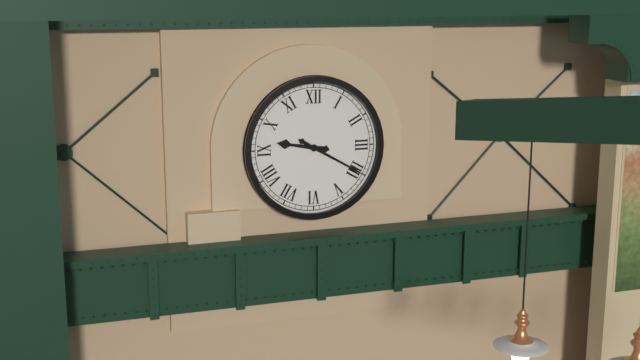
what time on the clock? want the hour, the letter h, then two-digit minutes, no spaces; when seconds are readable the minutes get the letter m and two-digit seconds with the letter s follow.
9h20
